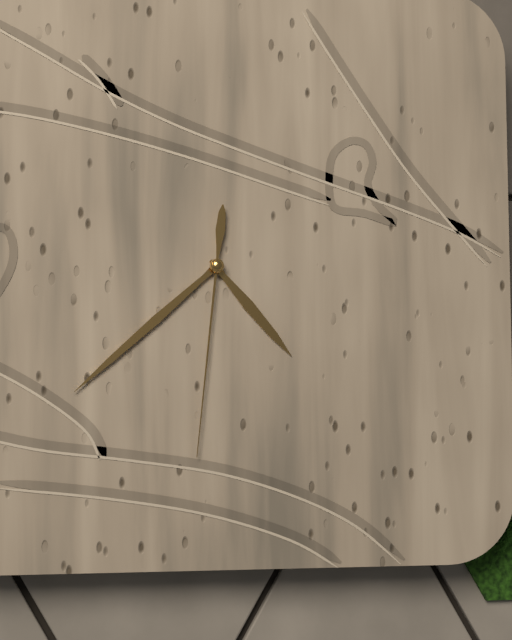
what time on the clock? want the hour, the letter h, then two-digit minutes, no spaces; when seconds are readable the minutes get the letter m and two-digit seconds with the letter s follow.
4h38m31s
